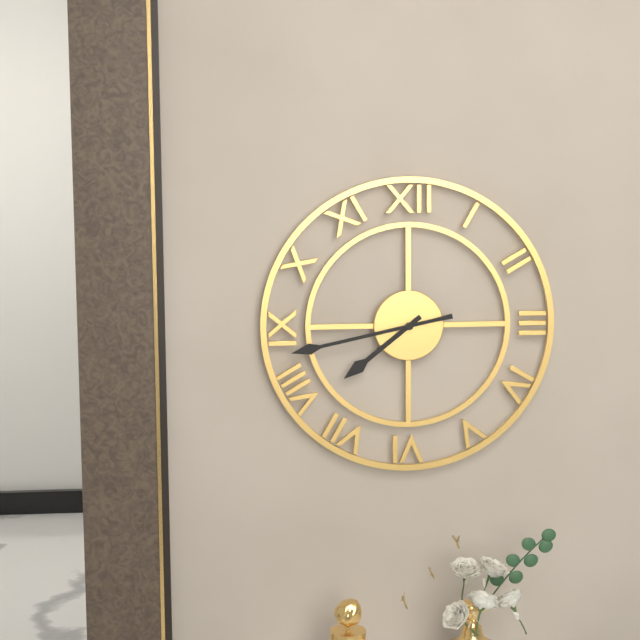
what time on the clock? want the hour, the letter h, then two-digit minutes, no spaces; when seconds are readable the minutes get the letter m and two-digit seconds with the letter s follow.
7h43
